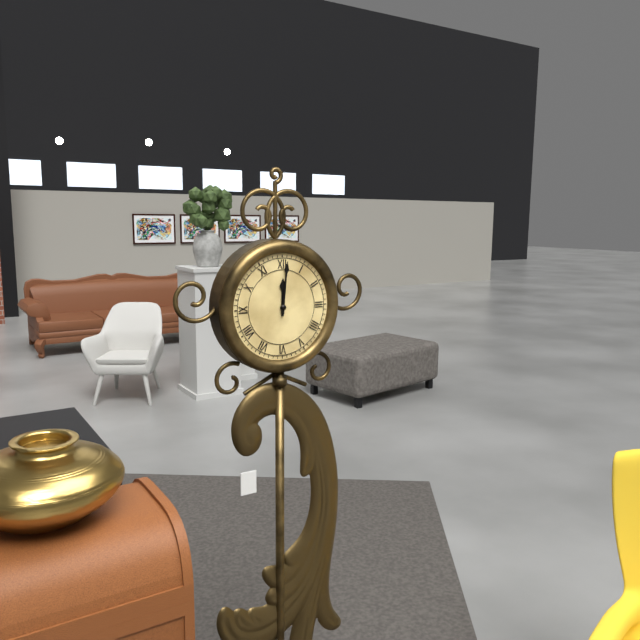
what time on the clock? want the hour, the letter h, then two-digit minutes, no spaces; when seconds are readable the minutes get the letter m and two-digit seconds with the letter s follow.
12h01
